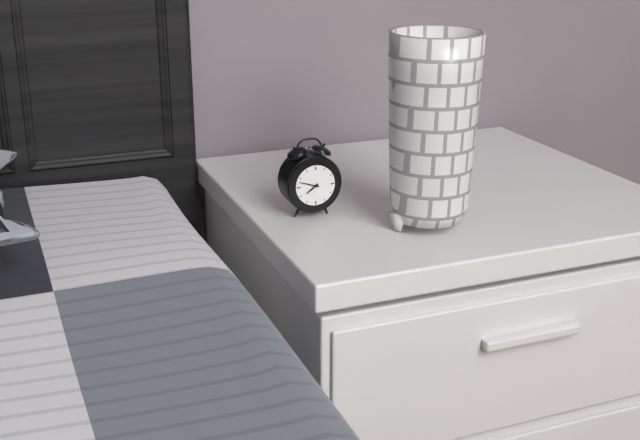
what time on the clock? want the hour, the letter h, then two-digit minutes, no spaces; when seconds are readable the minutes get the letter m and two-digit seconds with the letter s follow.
7h48
